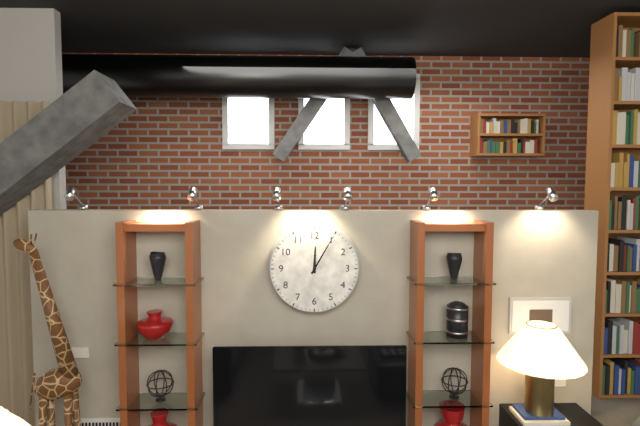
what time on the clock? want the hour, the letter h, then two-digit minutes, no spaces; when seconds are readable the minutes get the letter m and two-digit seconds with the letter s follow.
12h05
